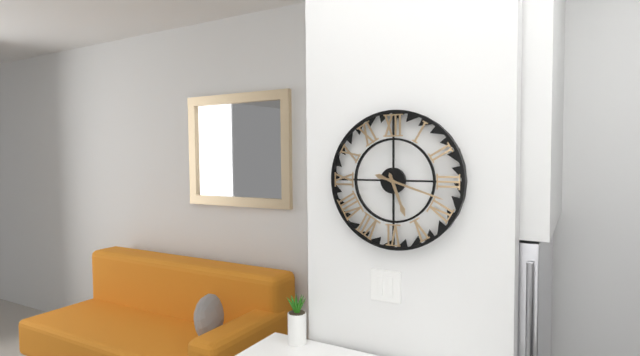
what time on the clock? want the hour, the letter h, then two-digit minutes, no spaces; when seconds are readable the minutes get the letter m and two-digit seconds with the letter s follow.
5h18
